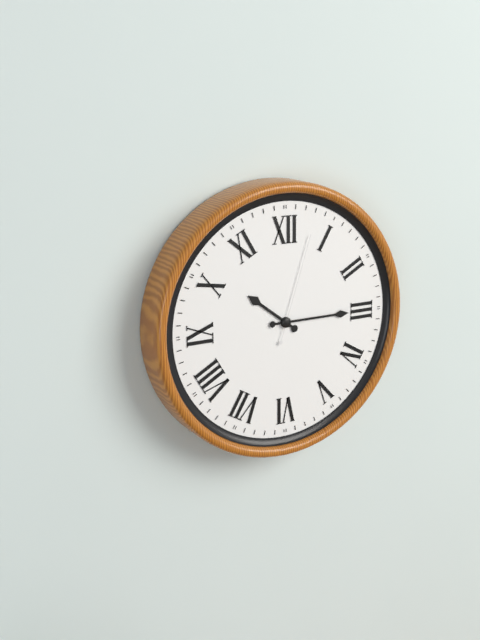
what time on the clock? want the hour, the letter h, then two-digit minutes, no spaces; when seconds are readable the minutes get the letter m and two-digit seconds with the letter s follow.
10h15m03s
